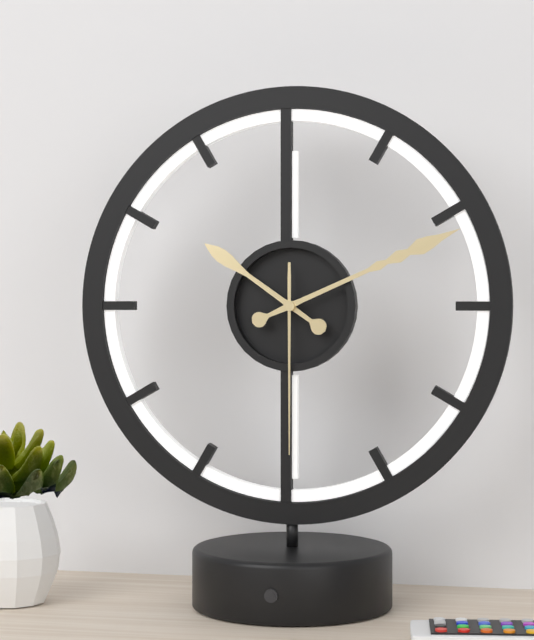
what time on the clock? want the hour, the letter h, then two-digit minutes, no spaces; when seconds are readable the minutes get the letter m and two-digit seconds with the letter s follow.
10h11m30s
